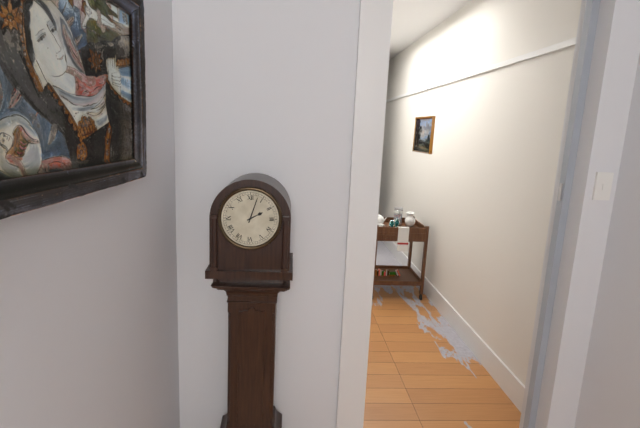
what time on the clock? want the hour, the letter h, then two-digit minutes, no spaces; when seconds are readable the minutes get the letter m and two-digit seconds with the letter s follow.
2h03
